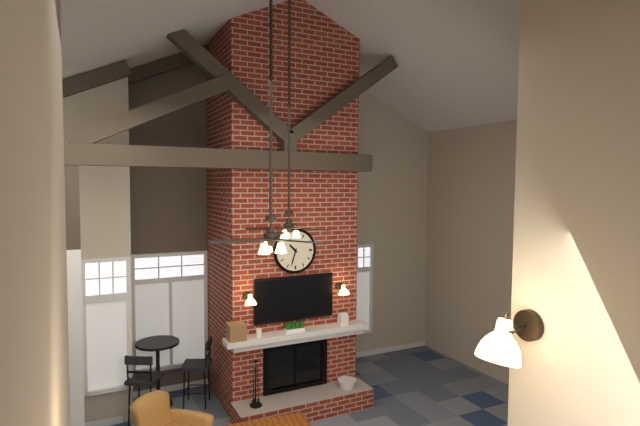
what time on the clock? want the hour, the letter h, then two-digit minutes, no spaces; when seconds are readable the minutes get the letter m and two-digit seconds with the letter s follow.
10h33
